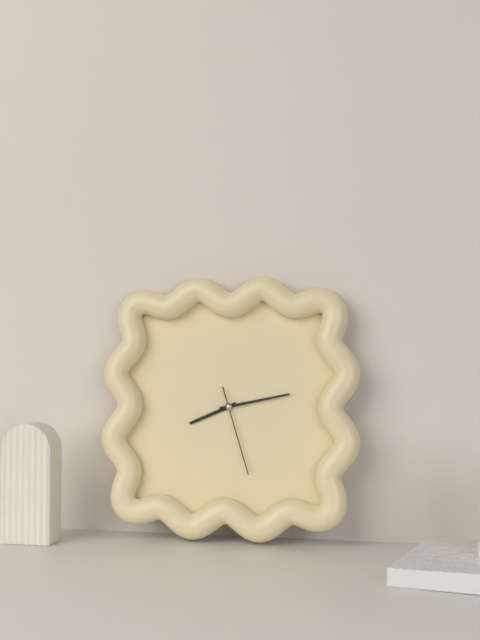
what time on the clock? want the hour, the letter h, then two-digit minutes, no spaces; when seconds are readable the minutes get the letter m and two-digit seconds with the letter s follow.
8h13m27s
